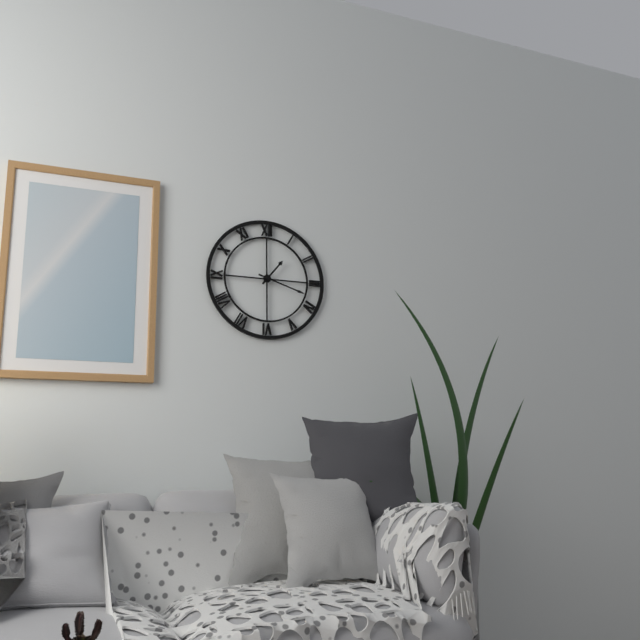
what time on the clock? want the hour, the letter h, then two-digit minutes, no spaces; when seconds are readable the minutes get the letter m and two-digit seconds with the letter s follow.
1h18
